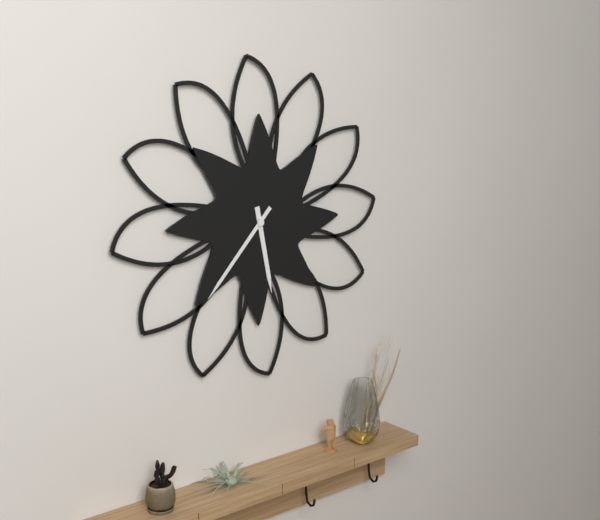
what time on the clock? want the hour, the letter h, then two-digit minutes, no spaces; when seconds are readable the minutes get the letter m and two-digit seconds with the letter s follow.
5h37
